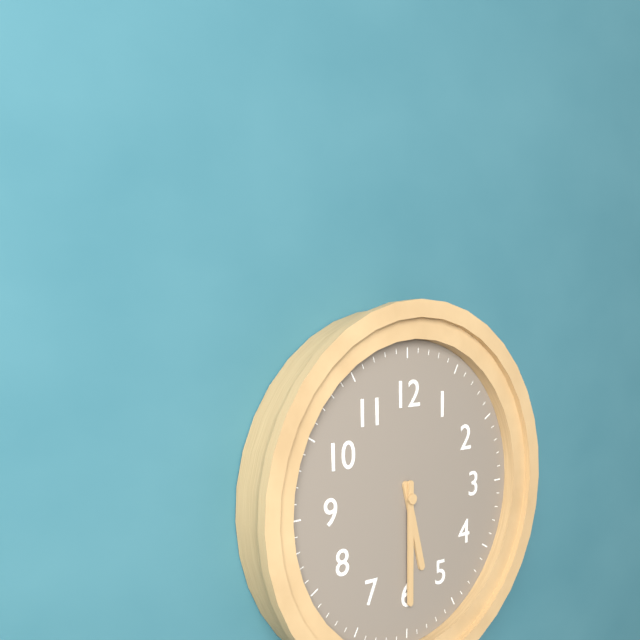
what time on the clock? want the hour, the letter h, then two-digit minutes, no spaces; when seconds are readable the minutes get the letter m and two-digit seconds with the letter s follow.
5h30
